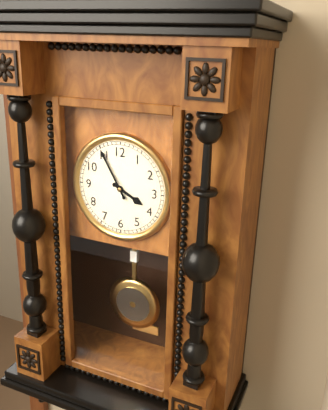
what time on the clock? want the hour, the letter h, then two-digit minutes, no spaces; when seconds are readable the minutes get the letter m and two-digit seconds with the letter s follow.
3h55
